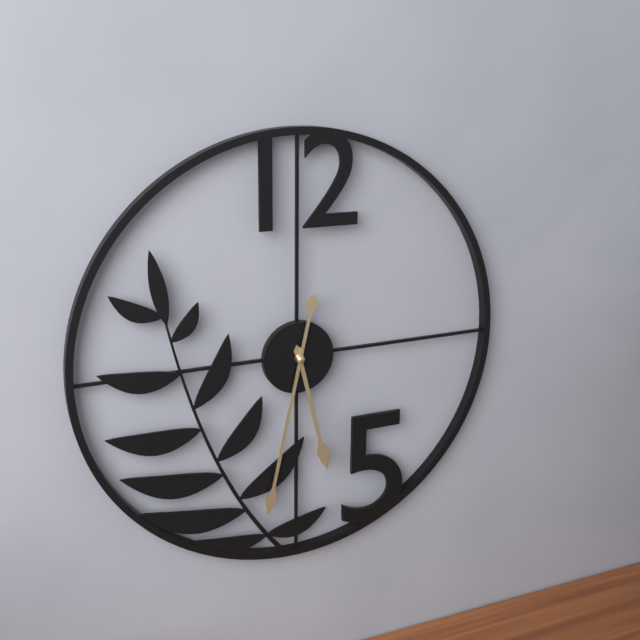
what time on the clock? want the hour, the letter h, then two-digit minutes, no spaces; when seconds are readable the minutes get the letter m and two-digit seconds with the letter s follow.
5h32
